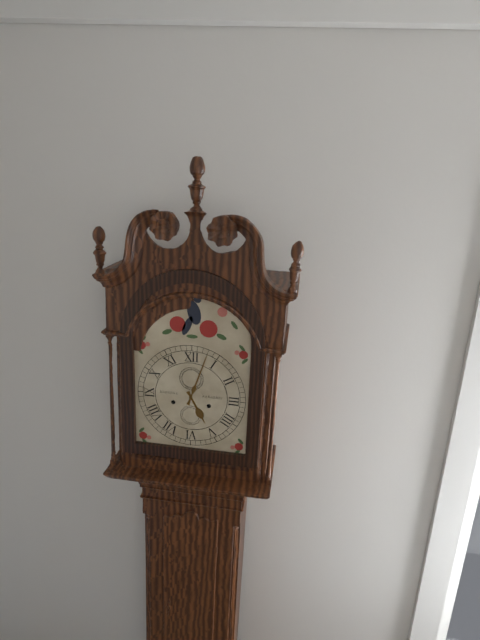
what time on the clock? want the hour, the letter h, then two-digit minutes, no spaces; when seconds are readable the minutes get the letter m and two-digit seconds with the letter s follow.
5h03
